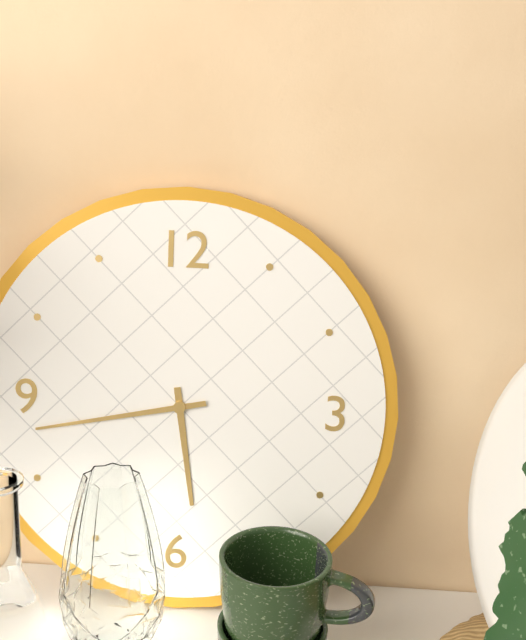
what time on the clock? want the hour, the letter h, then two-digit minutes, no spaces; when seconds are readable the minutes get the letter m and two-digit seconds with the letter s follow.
5h43
